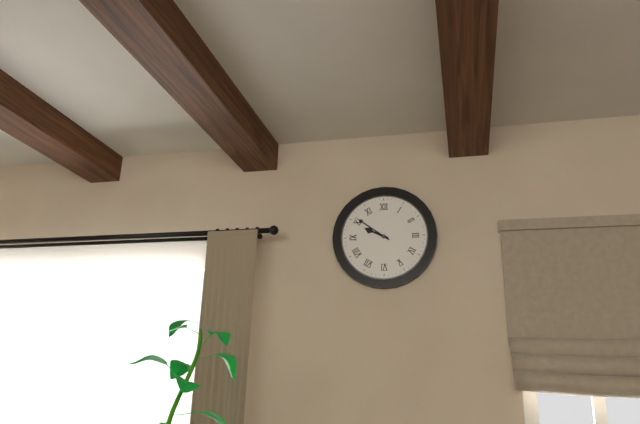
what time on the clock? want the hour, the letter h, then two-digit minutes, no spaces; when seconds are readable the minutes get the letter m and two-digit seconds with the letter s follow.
9h51
